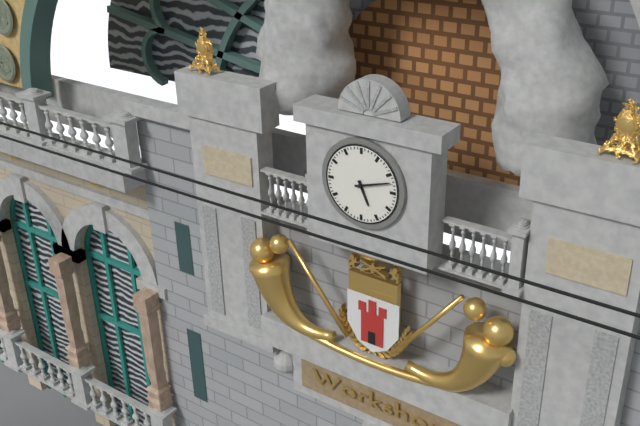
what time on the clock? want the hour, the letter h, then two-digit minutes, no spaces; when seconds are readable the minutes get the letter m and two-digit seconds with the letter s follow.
5h12
